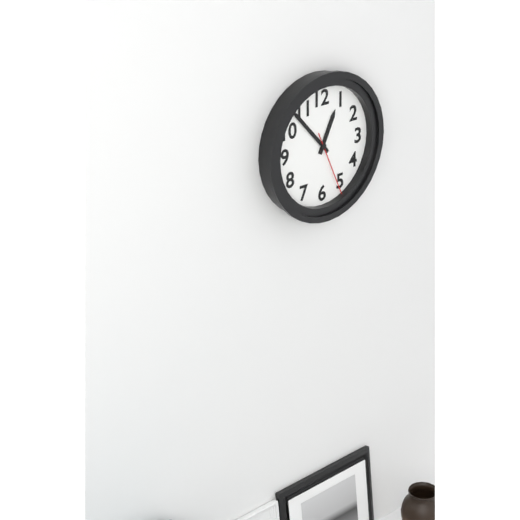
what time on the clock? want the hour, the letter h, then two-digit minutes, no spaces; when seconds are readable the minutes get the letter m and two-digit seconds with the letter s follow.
12h53m26s
